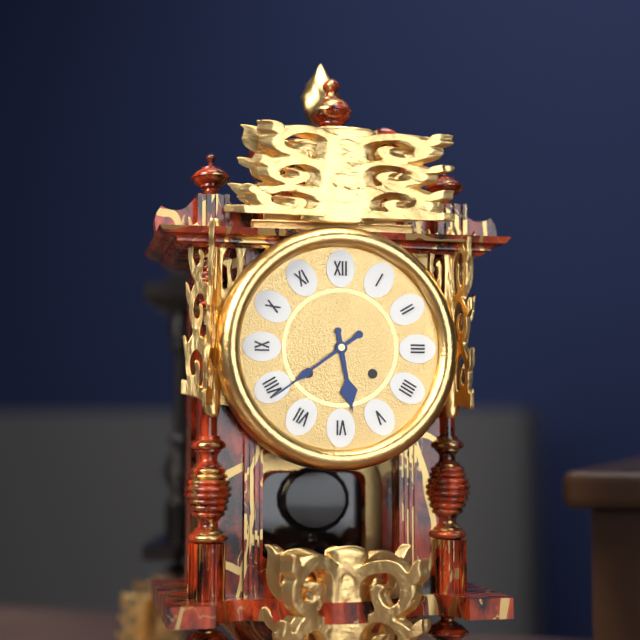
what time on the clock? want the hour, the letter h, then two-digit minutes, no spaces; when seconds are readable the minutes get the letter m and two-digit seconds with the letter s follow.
5h39
